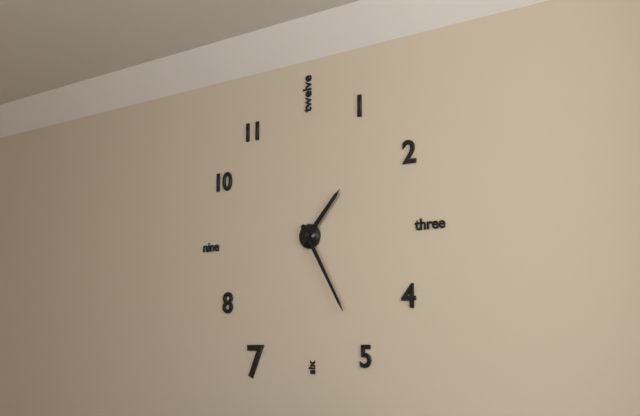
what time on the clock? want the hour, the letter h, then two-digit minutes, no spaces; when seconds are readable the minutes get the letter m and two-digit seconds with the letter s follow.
1h25
